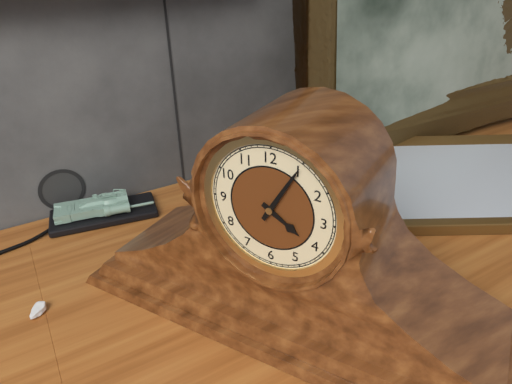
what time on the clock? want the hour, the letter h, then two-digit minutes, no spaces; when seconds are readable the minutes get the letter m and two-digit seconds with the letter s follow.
4h05
